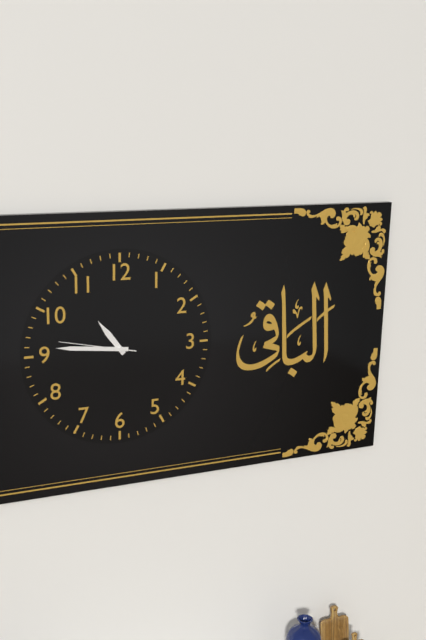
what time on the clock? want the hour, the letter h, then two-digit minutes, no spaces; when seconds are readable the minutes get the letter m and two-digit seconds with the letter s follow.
10h46m47s
